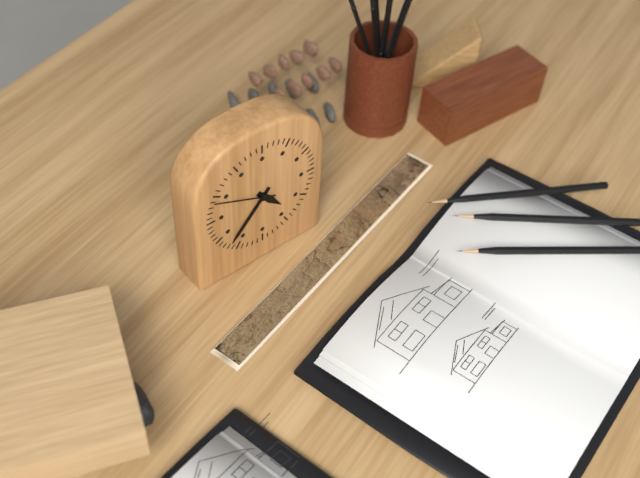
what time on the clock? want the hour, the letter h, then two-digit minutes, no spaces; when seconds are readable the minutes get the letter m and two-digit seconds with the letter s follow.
4h37m49s
